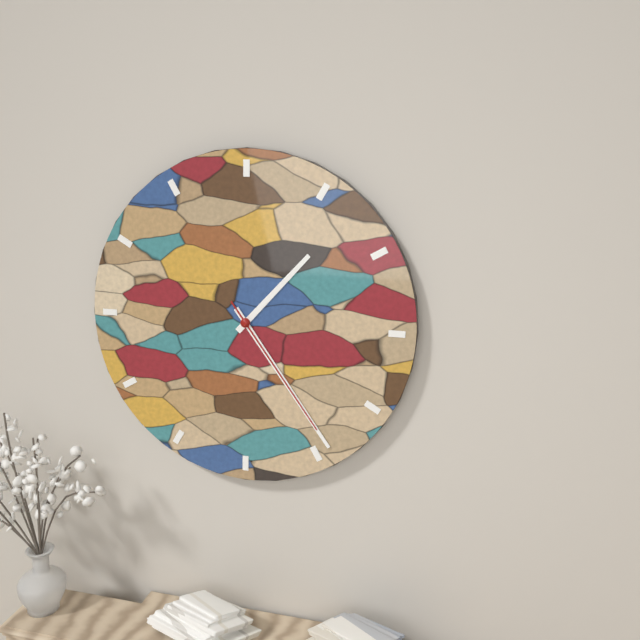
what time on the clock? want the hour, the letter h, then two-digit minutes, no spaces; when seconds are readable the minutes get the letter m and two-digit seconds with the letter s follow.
1h24m24s
